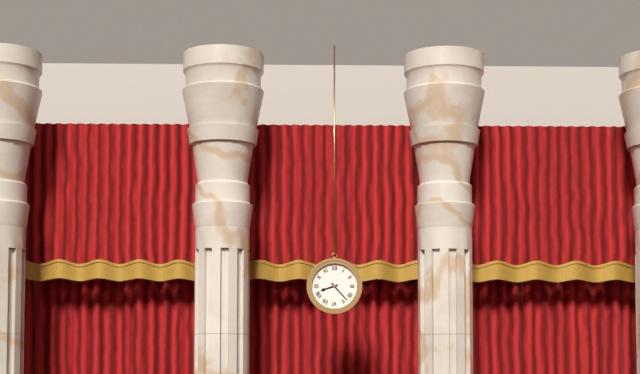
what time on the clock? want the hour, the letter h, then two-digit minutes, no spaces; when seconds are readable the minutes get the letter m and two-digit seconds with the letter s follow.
8h23
